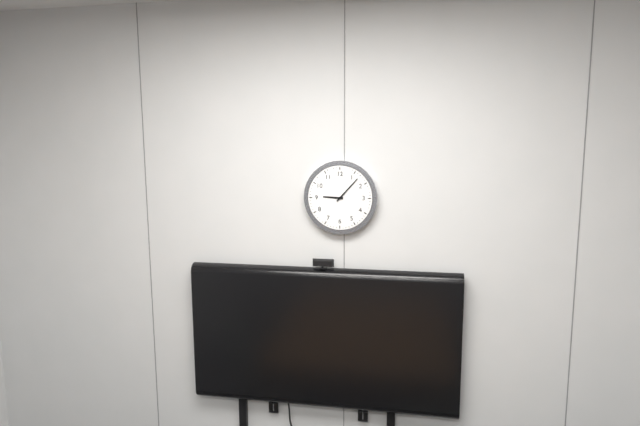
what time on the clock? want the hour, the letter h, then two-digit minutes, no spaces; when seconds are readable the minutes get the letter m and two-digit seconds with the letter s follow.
9h07
